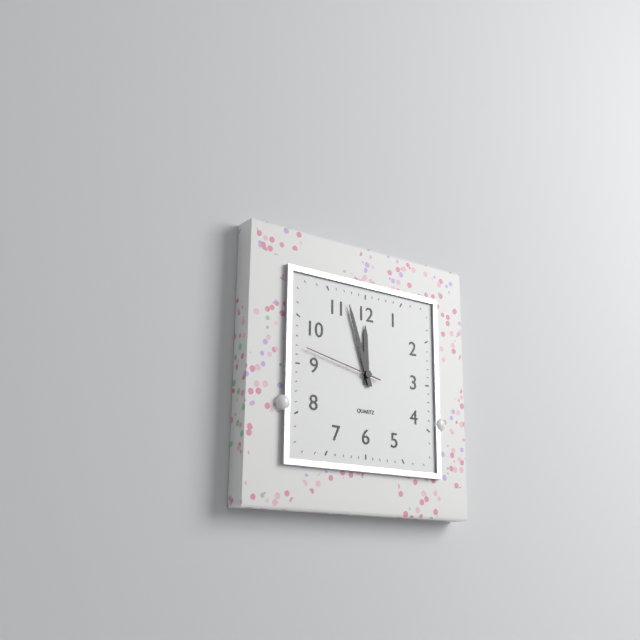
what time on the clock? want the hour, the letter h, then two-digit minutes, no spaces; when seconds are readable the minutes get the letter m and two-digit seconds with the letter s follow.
11h57m47s
